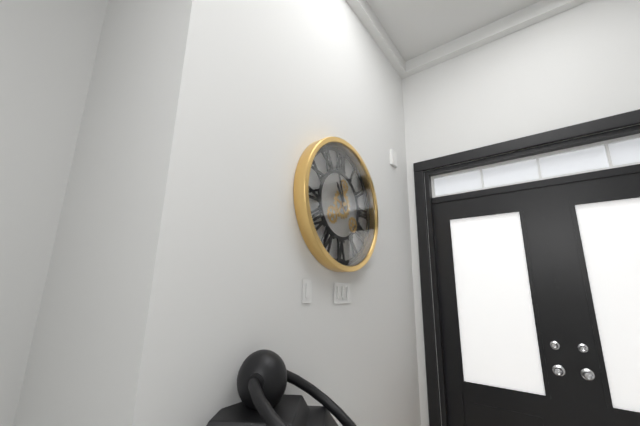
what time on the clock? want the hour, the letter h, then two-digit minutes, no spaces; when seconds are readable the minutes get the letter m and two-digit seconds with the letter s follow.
10h57
